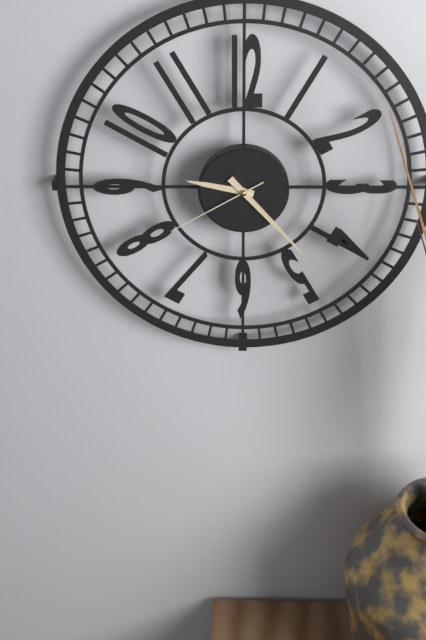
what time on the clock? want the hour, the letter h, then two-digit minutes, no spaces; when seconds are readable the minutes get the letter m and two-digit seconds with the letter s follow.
9h23m40s
